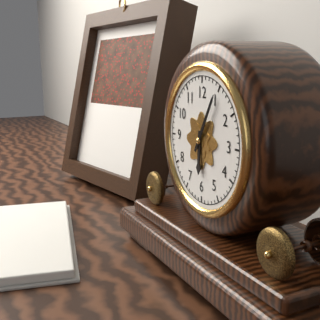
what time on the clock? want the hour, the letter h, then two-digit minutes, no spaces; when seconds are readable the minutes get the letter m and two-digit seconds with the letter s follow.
6h05
